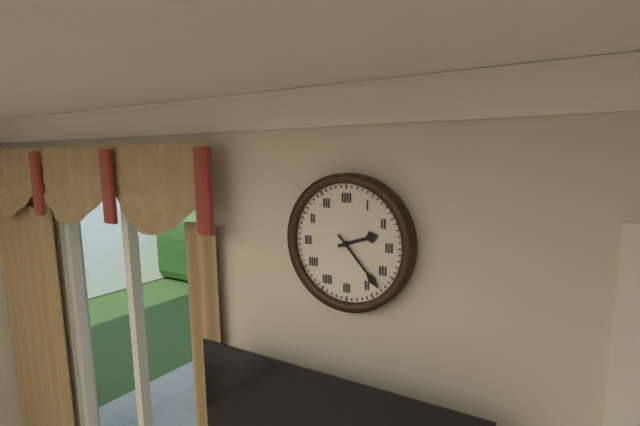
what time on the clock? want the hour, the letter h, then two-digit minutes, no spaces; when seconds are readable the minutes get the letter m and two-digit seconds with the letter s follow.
2h23
